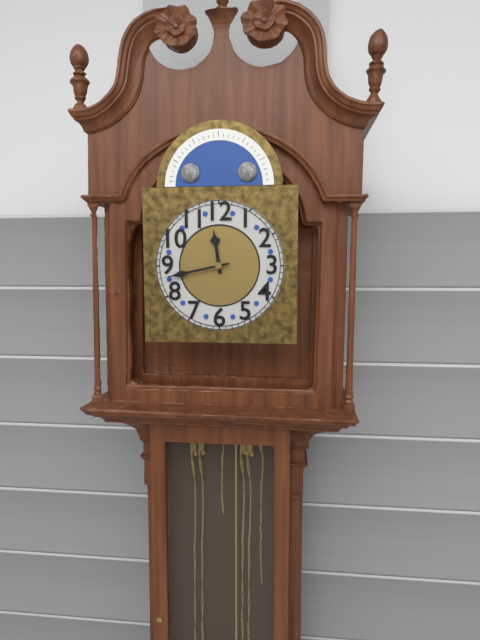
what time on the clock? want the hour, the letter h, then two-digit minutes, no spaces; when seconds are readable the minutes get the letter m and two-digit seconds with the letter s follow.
11h43
